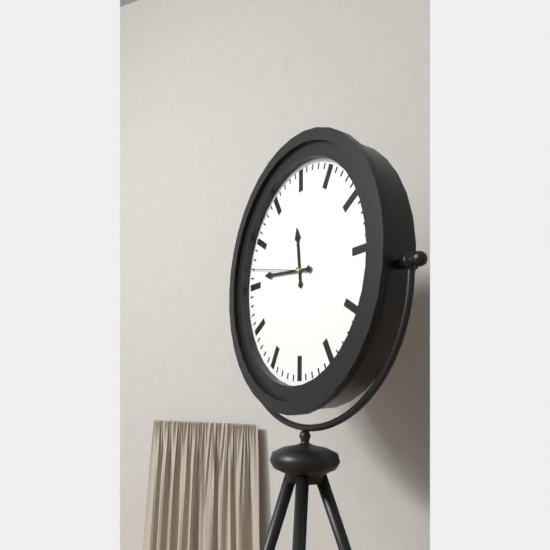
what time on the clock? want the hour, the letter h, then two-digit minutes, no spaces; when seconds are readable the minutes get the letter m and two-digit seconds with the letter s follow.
11h46m47s
